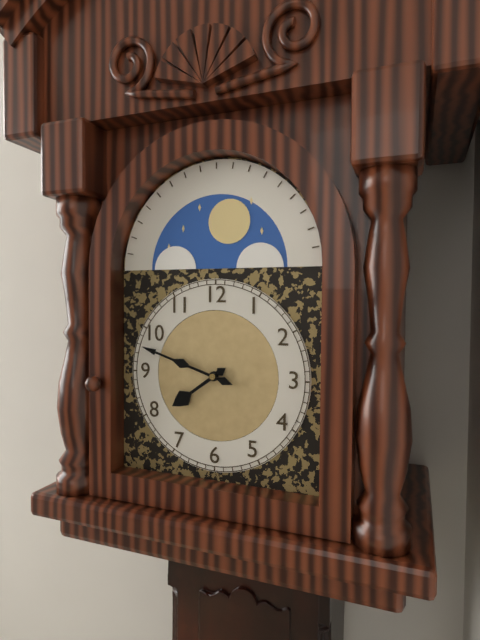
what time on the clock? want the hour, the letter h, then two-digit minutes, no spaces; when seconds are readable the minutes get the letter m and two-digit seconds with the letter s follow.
7h48
